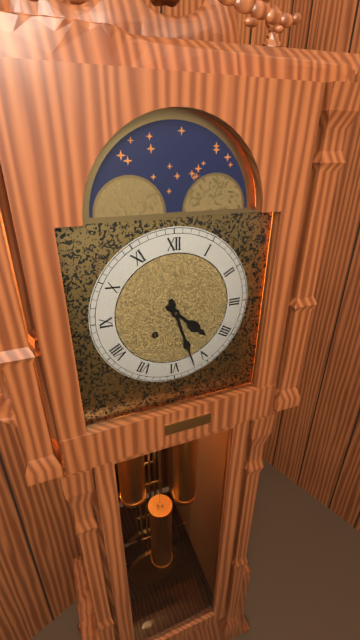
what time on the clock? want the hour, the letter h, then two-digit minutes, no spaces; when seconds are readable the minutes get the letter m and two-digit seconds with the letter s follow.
4h27
